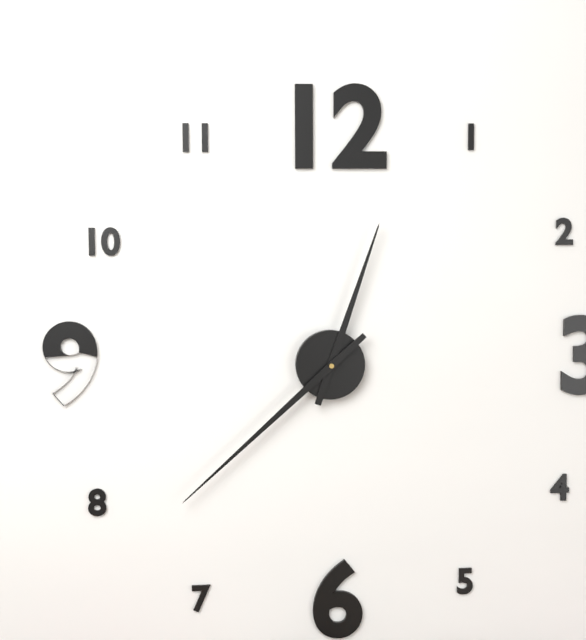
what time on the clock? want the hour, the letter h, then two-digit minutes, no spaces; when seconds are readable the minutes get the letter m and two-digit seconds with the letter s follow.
12h38
